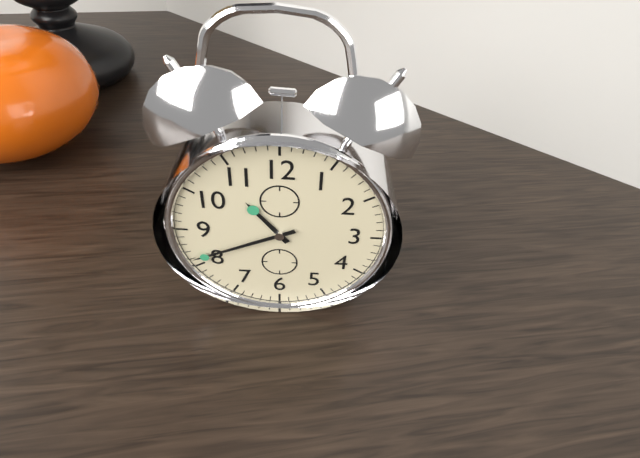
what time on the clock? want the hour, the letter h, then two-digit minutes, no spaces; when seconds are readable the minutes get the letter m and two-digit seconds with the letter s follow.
10h41
